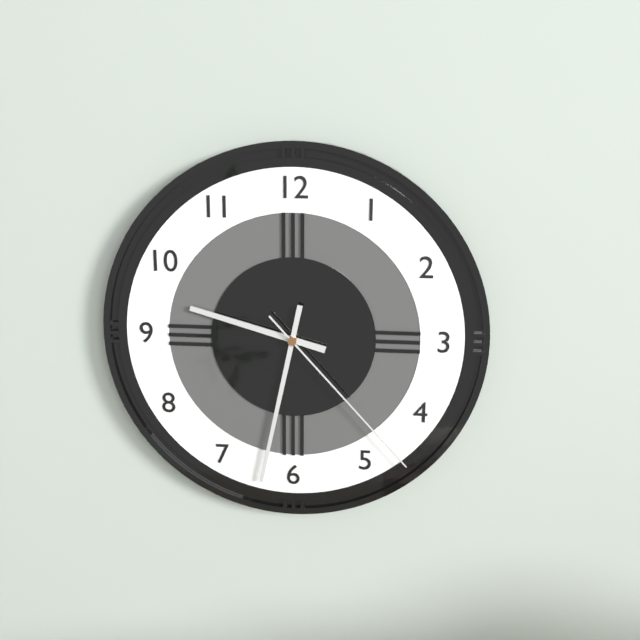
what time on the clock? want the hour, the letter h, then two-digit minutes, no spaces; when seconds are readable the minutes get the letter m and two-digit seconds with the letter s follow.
9h32m23s
